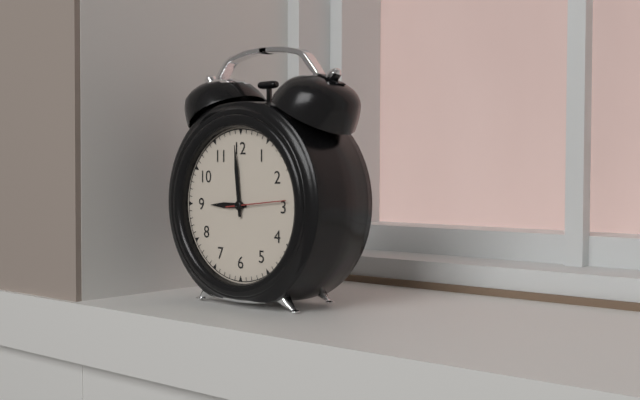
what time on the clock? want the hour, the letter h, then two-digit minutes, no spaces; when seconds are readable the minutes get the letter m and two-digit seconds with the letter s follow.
8h59m14s
